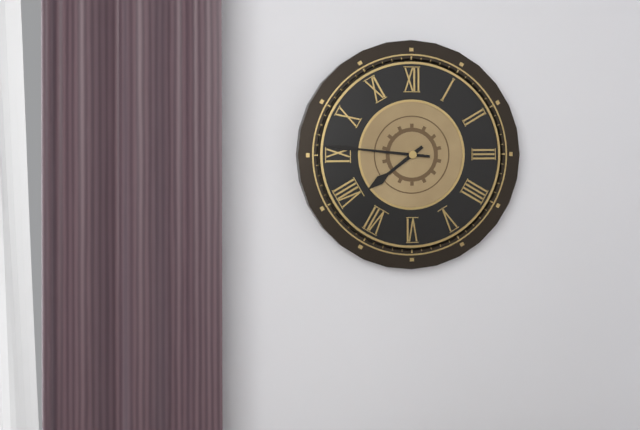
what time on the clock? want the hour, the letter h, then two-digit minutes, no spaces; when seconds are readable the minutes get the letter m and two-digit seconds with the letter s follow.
7h46
